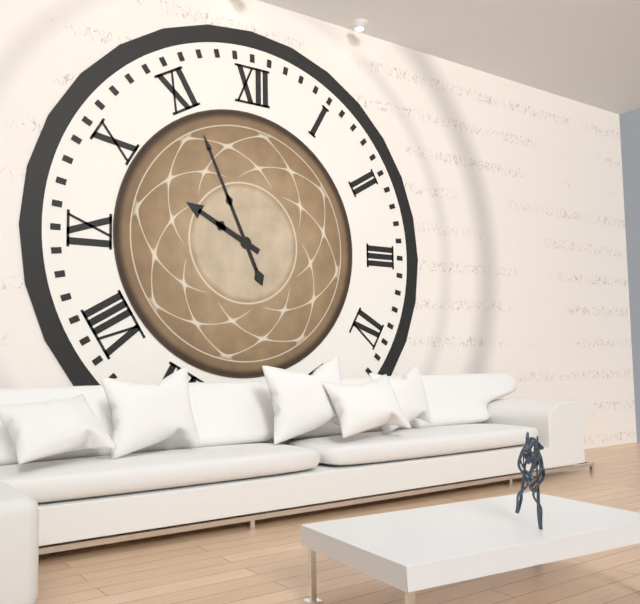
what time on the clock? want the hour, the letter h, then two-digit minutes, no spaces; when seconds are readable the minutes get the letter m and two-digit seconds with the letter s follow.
9h56
